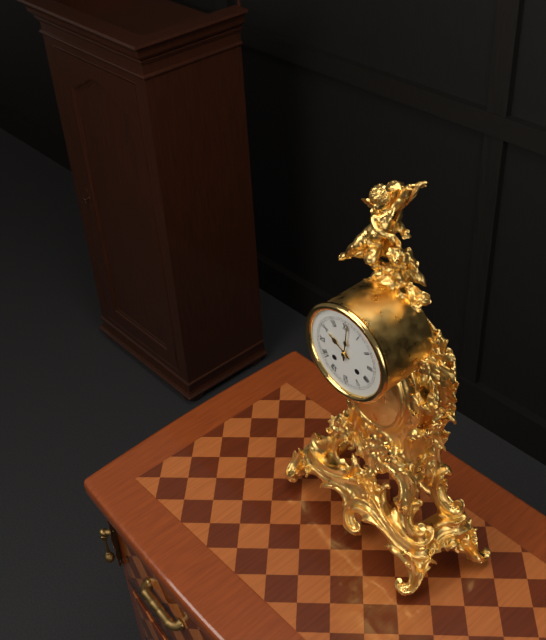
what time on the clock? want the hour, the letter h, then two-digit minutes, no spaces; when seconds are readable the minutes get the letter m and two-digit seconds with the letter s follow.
10h01
